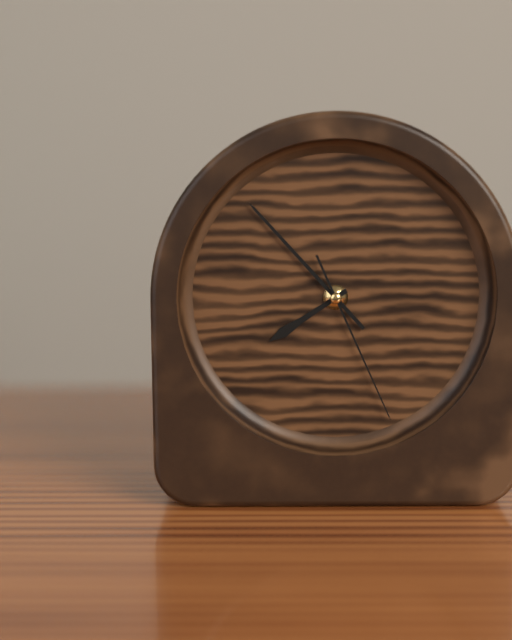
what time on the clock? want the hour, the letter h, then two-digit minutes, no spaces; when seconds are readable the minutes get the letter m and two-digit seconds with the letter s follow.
7h53m26s
